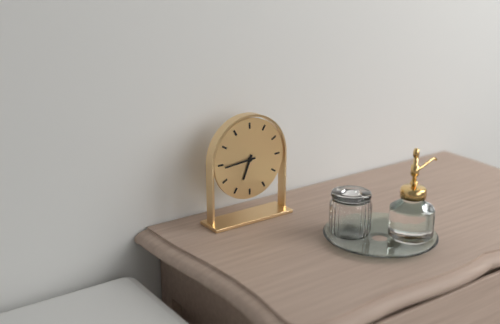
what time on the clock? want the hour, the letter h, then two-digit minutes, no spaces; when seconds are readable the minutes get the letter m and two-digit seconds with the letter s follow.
6h44
